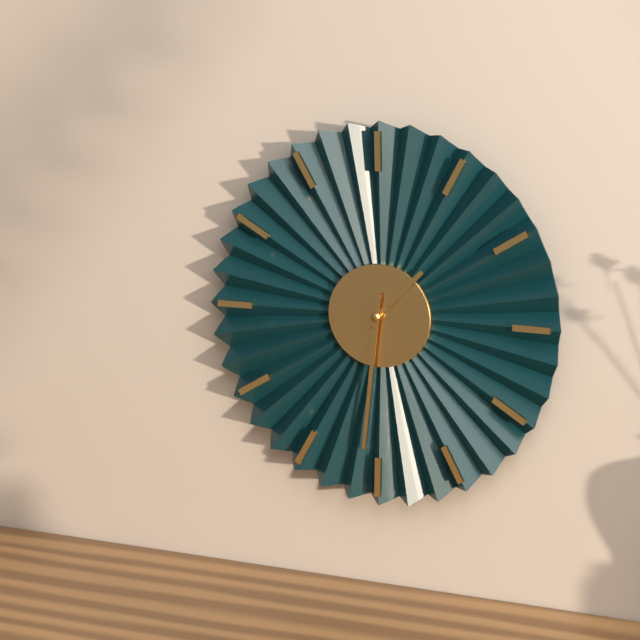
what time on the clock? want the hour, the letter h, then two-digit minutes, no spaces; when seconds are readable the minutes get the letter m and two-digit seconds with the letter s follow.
1h31
